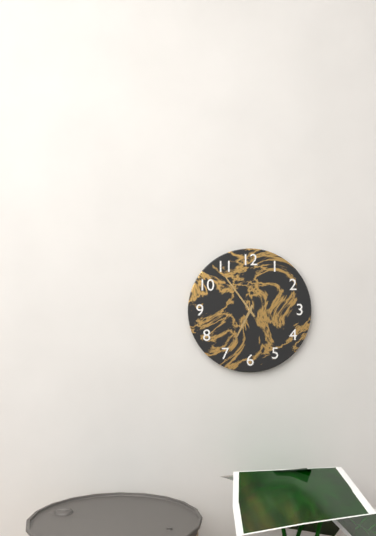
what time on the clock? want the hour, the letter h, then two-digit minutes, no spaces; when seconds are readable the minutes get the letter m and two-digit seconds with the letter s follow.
6h54
